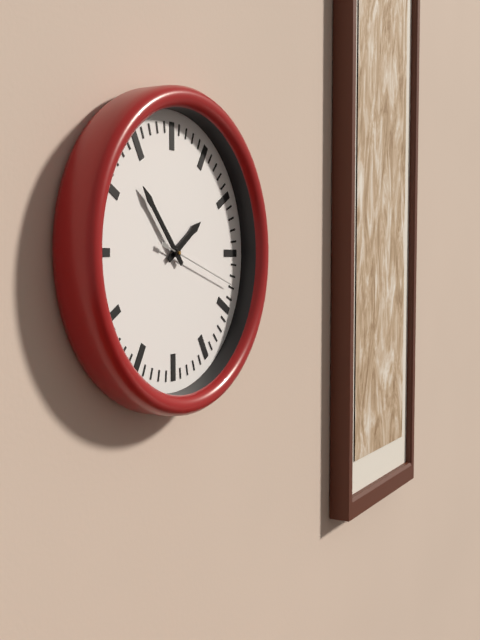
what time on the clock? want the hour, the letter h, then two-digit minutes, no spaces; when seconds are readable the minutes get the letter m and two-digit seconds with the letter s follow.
1h53m18s
